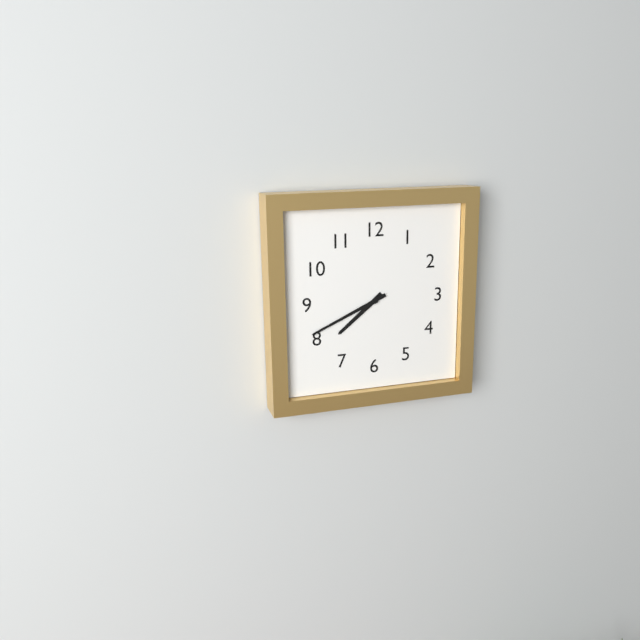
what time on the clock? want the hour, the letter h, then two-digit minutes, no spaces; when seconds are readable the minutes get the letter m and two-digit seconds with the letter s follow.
7h41
